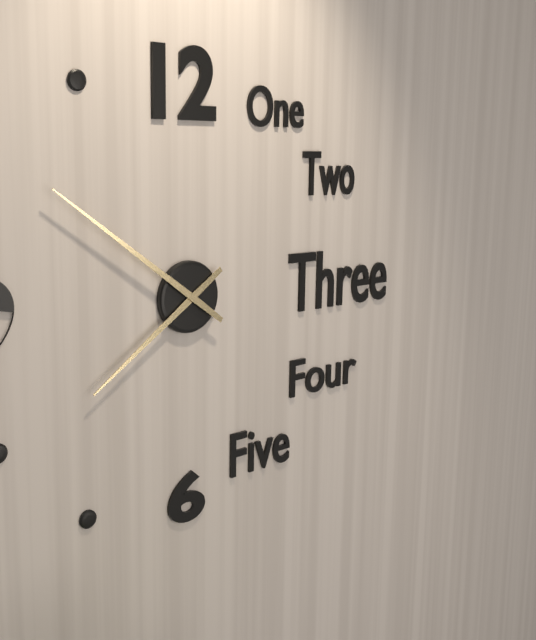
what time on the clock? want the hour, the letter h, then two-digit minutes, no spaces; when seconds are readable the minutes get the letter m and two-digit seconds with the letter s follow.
7h51
